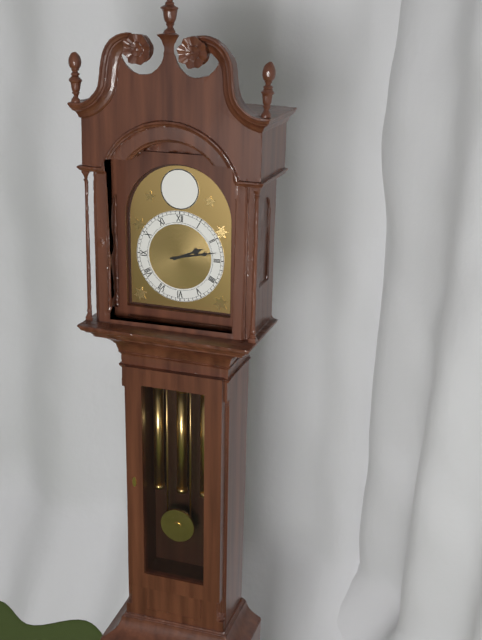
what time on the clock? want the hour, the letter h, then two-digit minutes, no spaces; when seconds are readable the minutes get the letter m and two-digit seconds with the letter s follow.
2h13
